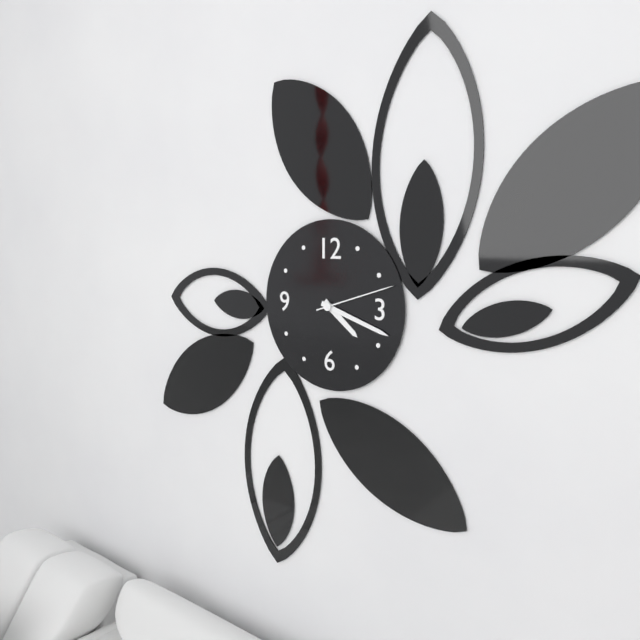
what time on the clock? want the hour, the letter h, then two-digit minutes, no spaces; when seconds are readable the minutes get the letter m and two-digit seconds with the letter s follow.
4h18m12s
